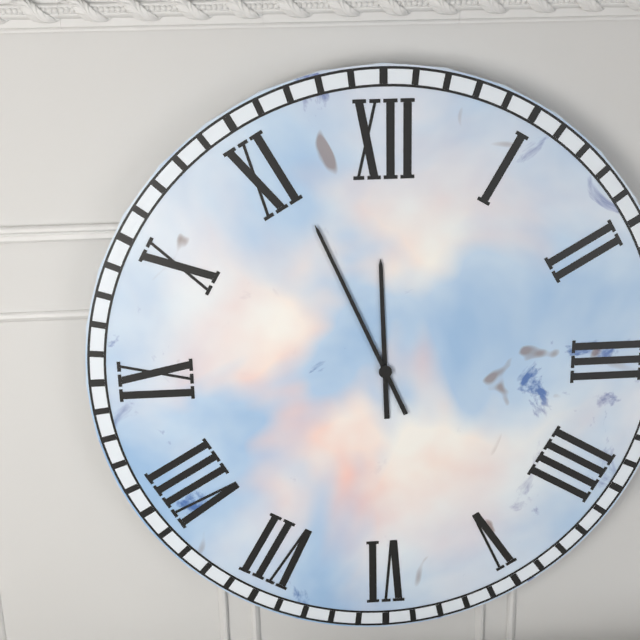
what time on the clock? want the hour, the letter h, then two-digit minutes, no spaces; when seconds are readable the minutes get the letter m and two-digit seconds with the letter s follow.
11h56
